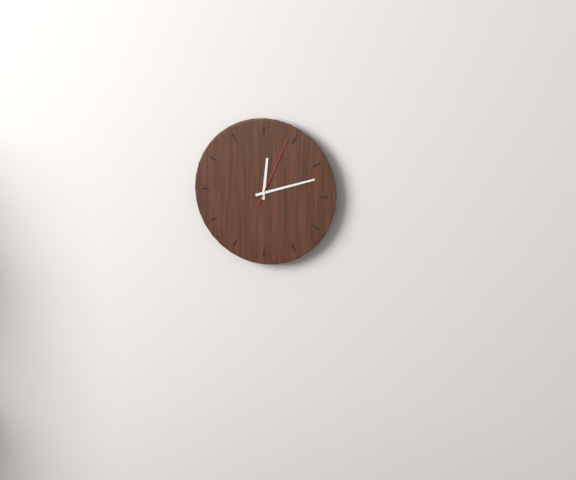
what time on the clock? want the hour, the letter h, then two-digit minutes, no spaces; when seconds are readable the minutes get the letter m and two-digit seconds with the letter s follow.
12h12m04s
